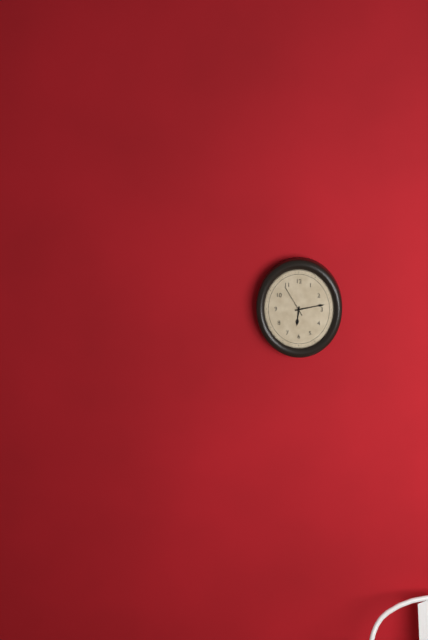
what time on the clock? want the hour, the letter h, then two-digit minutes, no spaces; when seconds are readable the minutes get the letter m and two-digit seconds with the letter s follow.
6h13
